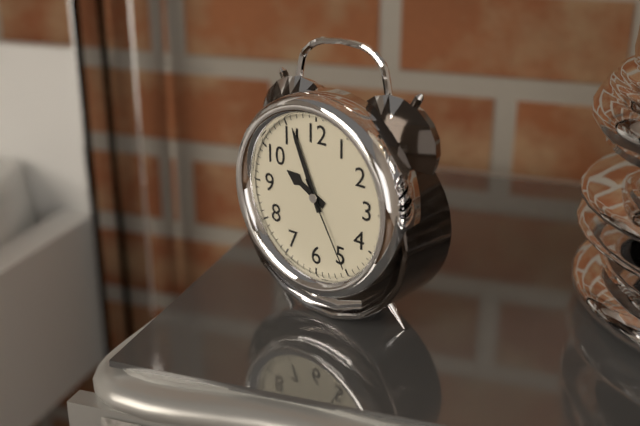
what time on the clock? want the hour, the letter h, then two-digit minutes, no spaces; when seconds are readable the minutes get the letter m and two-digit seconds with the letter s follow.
9h56m25s
